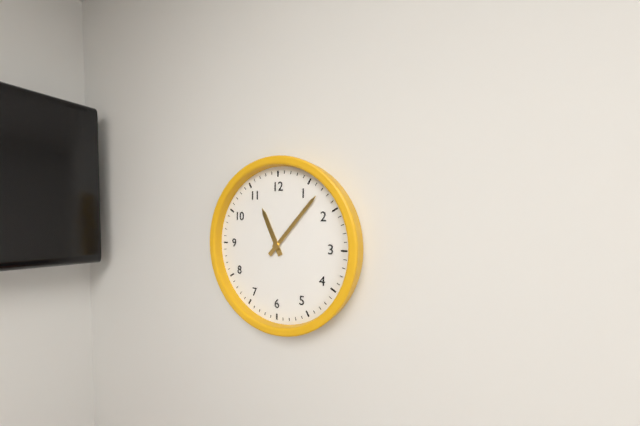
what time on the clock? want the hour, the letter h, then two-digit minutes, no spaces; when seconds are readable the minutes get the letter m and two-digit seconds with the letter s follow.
11h07
